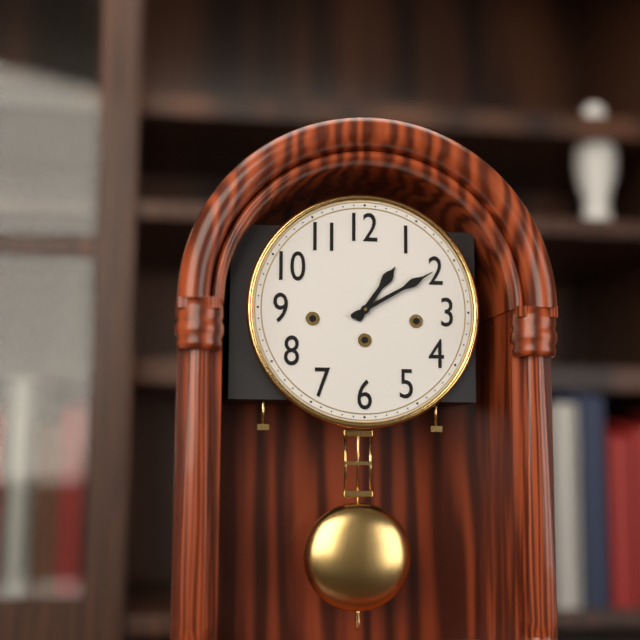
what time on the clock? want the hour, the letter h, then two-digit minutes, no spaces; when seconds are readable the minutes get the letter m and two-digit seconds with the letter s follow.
1h10
